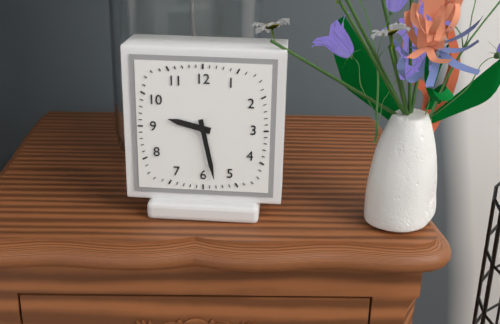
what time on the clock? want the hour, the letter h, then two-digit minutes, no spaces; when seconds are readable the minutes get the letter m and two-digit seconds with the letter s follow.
9h28
